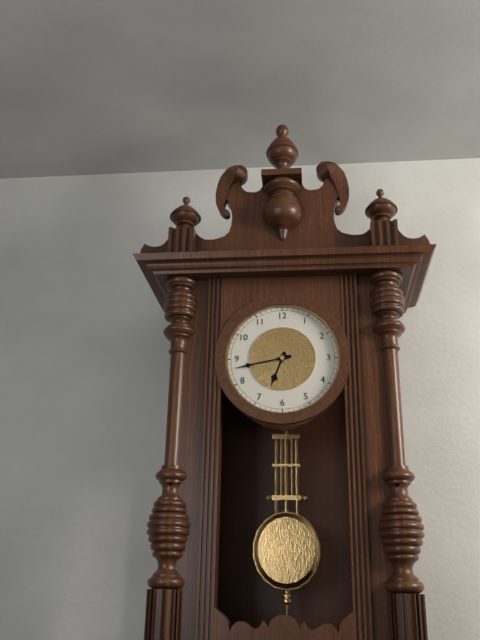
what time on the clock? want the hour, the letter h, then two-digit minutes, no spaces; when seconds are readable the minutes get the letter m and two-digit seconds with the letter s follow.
6h43
